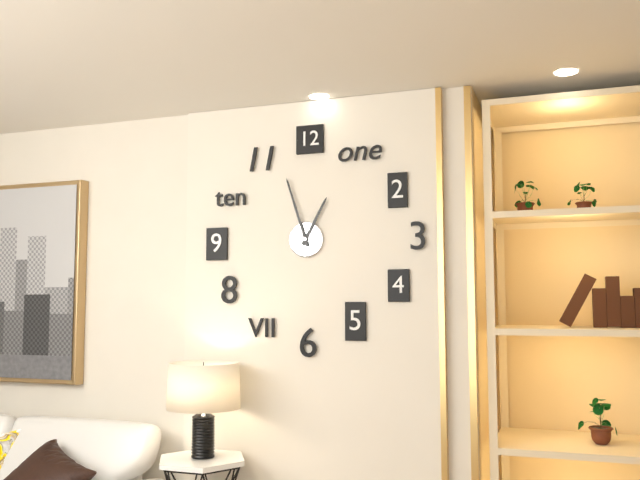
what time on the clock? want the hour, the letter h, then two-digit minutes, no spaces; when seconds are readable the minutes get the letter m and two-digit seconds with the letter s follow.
12h57
